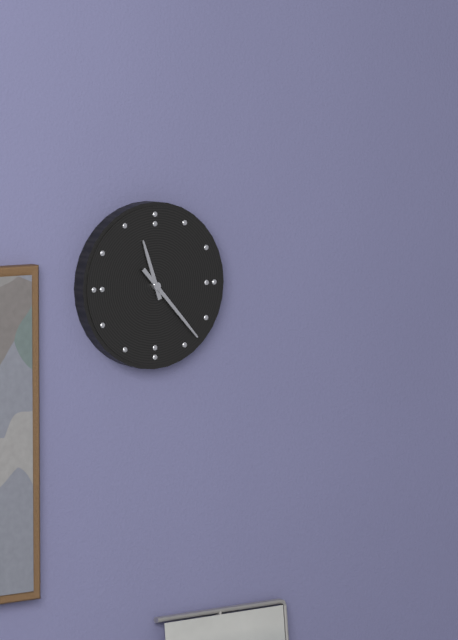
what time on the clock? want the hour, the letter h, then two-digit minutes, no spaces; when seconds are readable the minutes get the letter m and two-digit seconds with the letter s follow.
11h23
